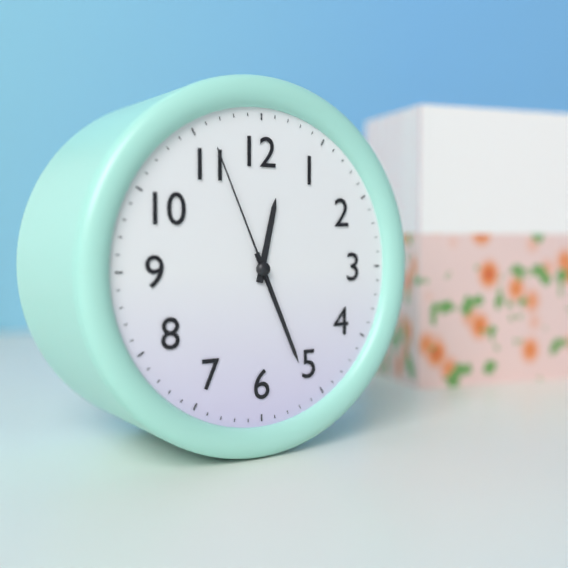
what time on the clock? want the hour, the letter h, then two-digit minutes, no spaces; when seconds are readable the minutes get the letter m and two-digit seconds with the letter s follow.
12h26m56s
